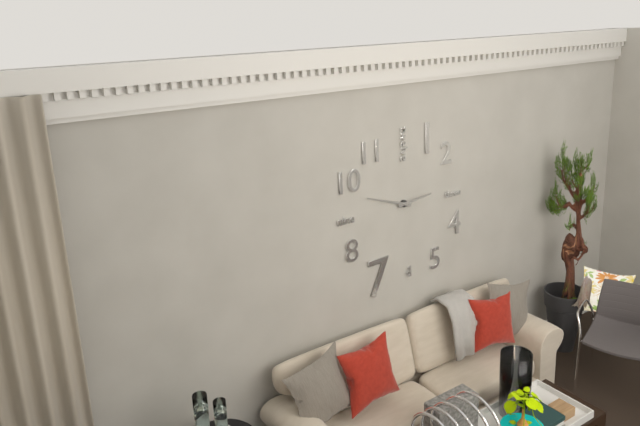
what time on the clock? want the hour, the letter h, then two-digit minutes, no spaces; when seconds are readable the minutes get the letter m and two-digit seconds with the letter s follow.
2h48
